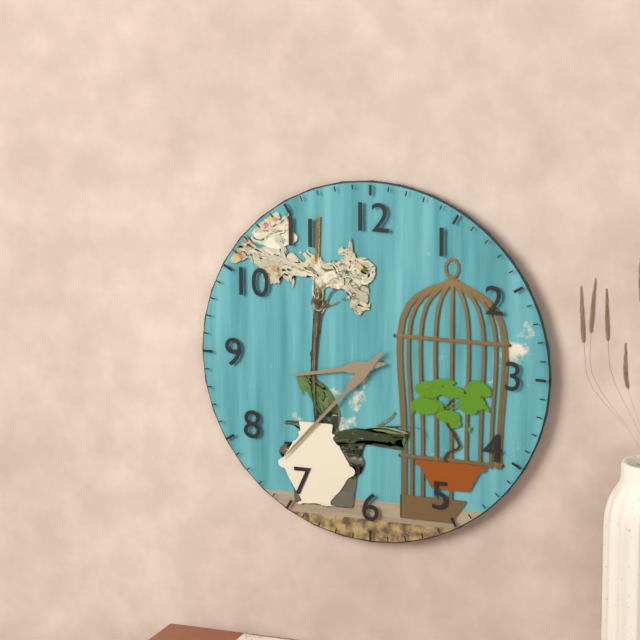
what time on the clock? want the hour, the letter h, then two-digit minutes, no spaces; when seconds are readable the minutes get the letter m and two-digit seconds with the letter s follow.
8h37
